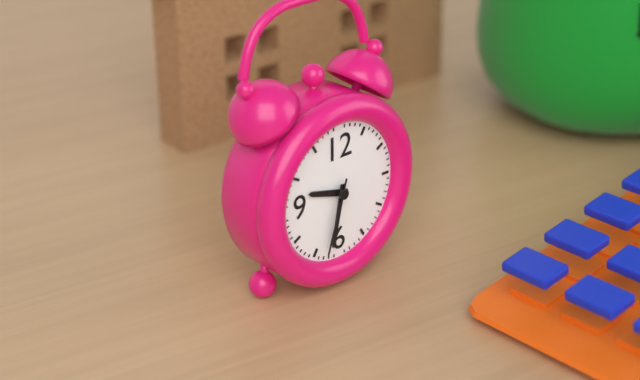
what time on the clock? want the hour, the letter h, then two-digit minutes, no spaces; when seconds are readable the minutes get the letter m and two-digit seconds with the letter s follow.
9h32m33s
